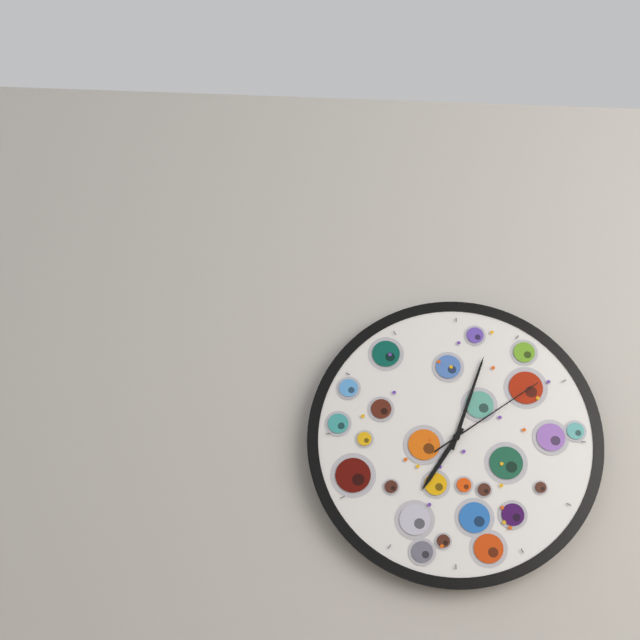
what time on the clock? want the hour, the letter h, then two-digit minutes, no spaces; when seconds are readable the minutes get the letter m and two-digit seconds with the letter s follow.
7h03m09s
